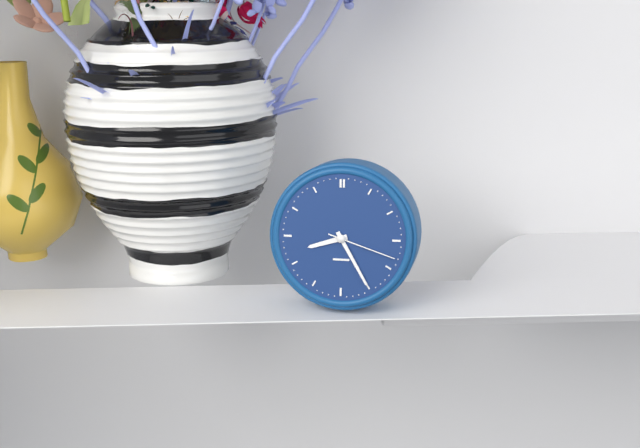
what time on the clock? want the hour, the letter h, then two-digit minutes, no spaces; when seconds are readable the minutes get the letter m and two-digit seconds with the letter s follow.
8h25m18s
